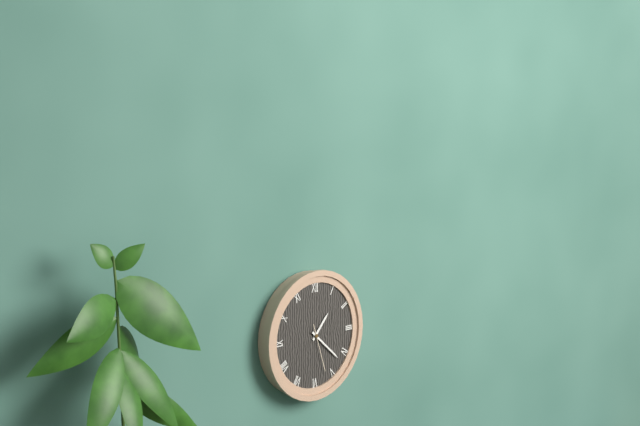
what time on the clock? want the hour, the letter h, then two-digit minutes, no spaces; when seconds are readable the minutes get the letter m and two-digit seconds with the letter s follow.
1h22
